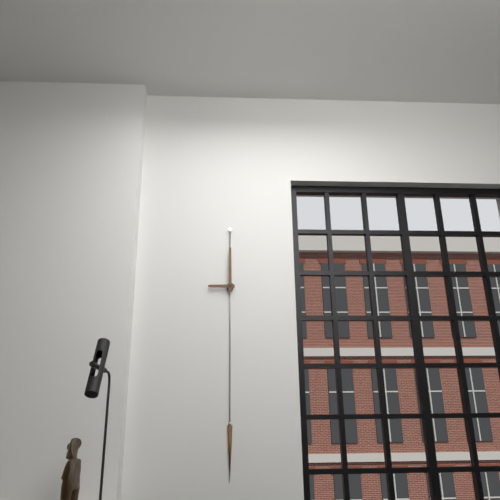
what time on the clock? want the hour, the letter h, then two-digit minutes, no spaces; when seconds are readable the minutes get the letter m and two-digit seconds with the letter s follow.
9h00
